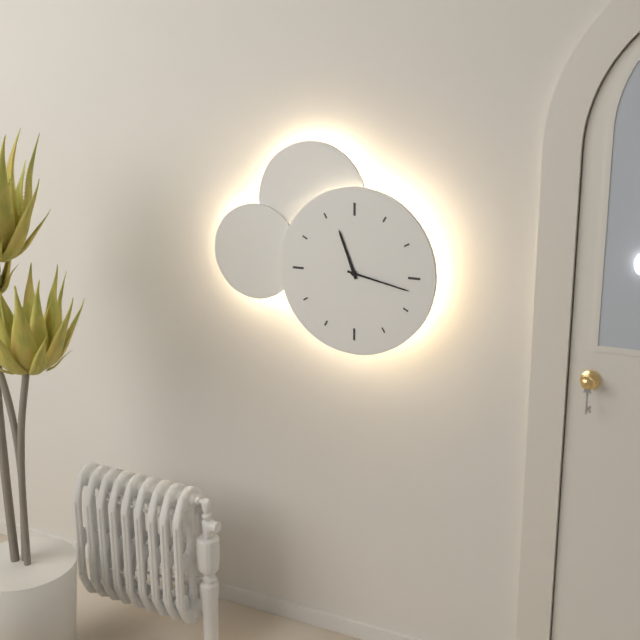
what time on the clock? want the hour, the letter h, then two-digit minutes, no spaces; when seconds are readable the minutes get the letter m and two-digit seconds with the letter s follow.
11h17
